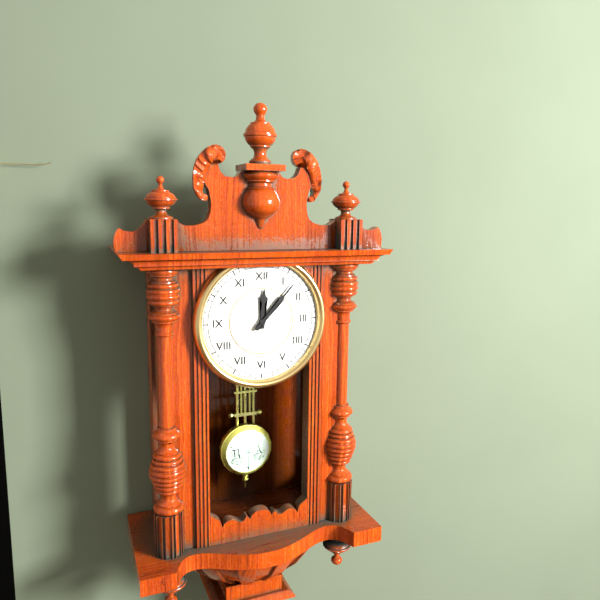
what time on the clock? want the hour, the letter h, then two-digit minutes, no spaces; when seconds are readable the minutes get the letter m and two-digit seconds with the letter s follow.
12h07
